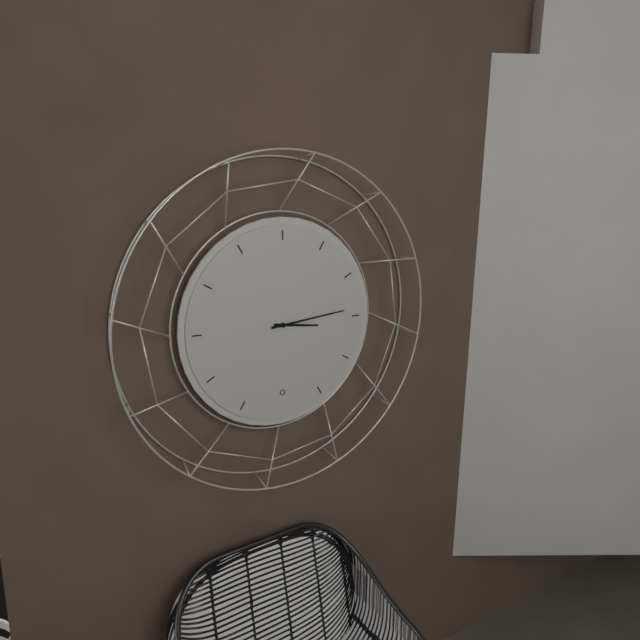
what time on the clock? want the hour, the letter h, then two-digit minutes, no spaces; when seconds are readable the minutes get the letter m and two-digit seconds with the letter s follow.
3h14
